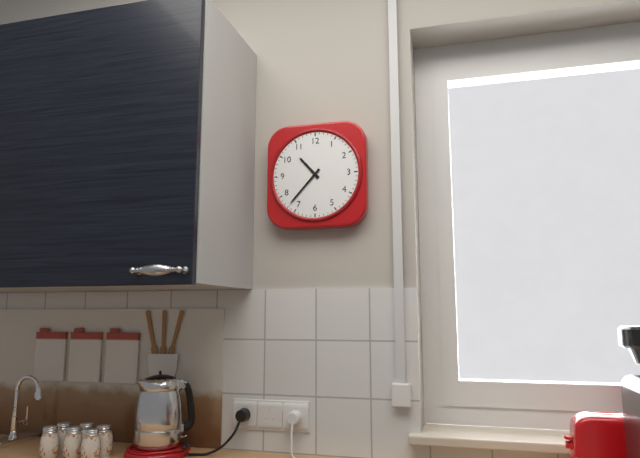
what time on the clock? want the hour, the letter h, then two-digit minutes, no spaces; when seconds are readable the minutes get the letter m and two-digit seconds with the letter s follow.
10h37
